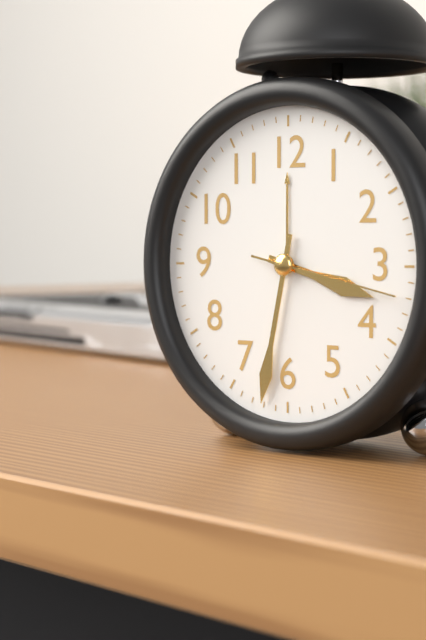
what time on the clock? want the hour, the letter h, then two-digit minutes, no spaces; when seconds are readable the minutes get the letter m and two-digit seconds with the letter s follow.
3h32m17s
